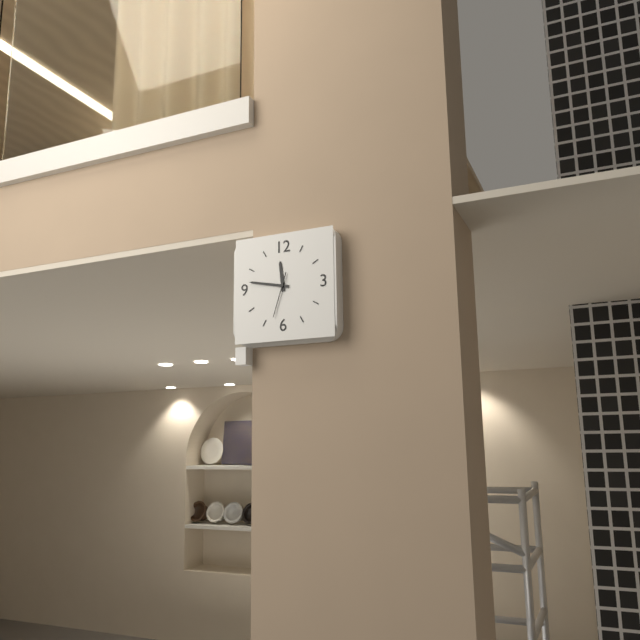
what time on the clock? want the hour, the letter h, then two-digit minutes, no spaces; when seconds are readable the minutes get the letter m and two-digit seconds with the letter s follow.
11h47
